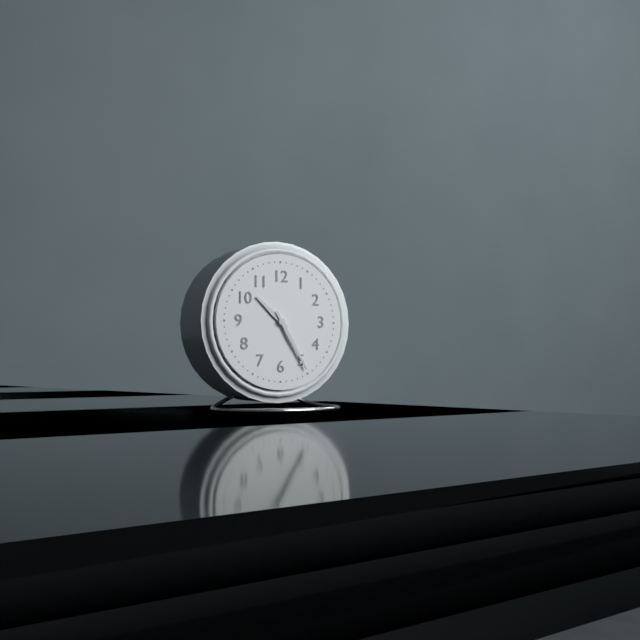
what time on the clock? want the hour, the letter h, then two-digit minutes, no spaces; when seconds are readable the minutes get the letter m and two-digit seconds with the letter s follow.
10h25
